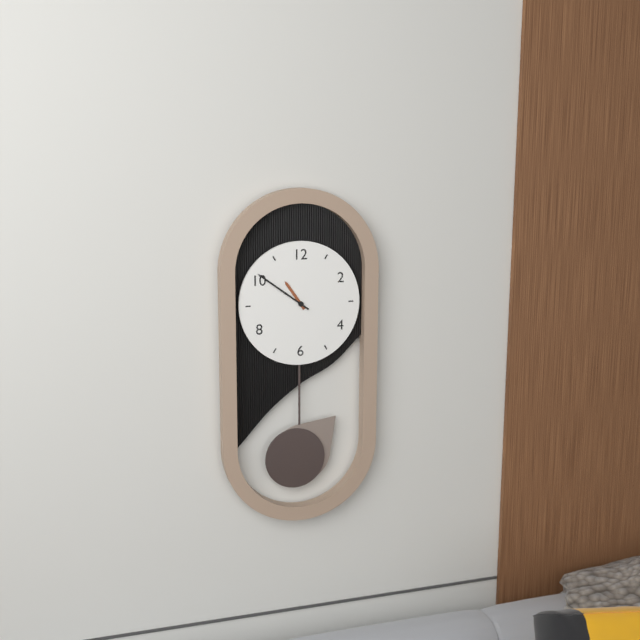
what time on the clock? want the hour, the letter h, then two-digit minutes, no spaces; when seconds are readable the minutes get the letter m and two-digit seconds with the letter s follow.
10h51
